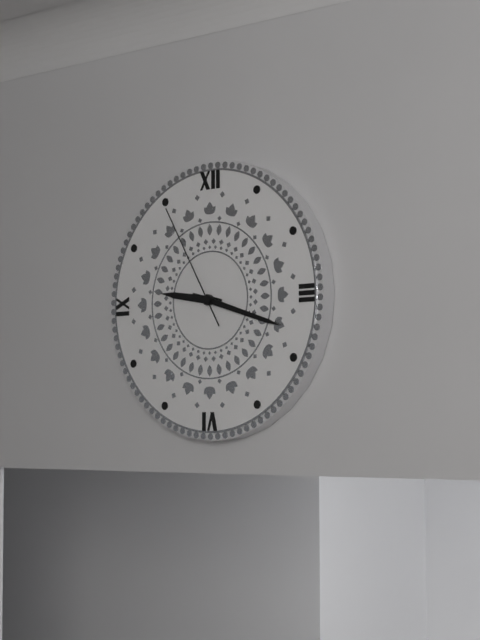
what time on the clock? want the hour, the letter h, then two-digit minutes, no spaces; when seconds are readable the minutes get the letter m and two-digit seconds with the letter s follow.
9h18m55s
